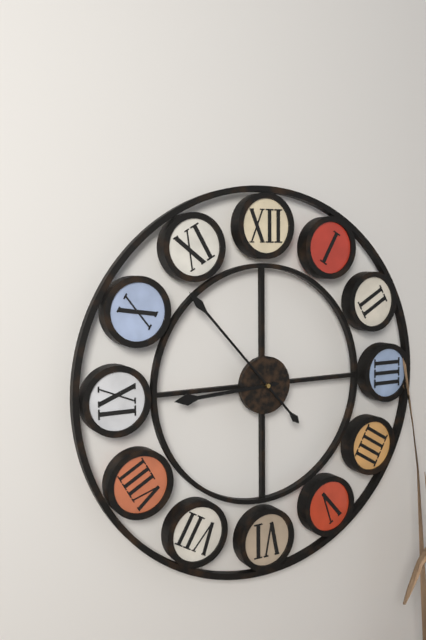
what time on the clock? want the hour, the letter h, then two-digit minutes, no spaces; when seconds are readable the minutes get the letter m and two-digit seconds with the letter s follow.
8h53
